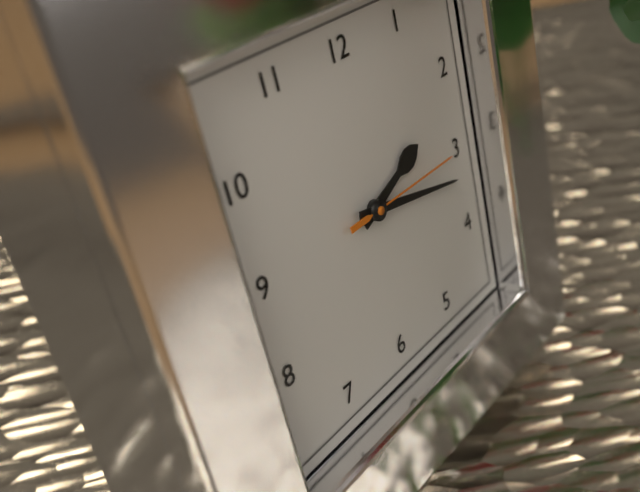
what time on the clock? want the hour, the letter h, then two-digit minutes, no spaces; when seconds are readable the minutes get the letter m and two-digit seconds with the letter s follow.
2h17m15s
